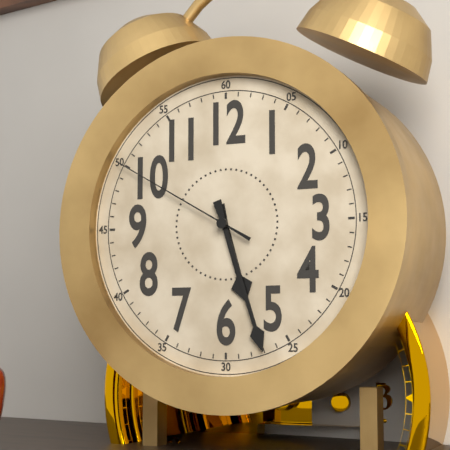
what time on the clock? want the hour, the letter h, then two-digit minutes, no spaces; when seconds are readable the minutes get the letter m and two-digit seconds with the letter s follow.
5h27m50s
